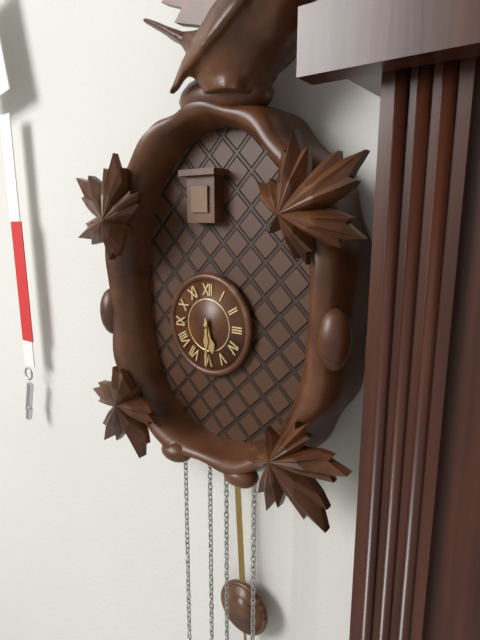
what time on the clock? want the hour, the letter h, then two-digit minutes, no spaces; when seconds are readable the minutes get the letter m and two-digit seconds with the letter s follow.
5h30
